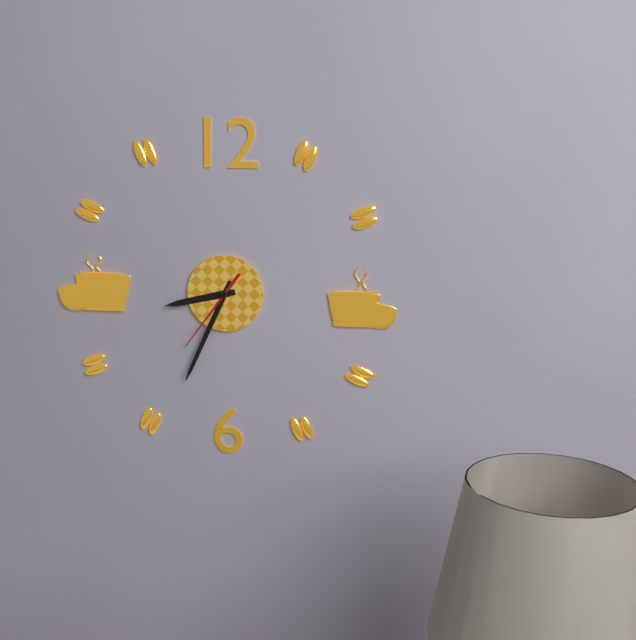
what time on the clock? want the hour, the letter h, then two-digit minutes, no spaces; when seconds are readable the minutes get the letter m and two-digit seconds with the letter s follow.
8h34m36s
